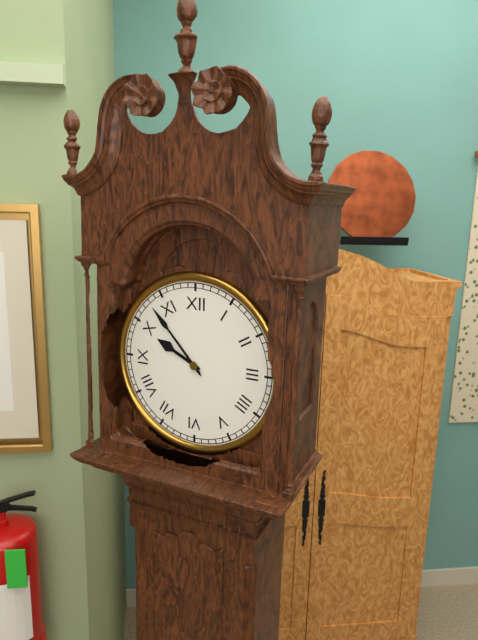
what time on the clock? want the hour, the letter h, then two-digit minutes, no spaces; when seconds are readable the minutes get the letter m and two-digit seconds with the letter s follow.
9h53
